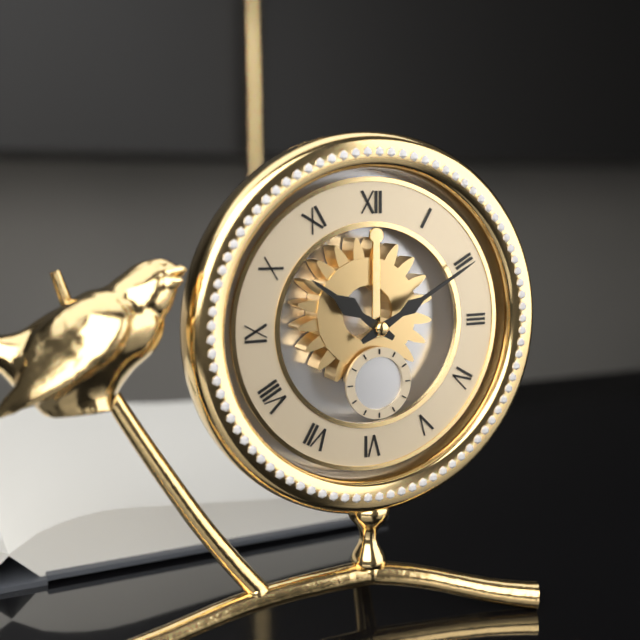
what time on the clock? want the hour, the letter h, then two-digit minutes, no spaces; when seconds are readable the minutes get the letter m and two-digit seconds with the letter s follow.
10h10
